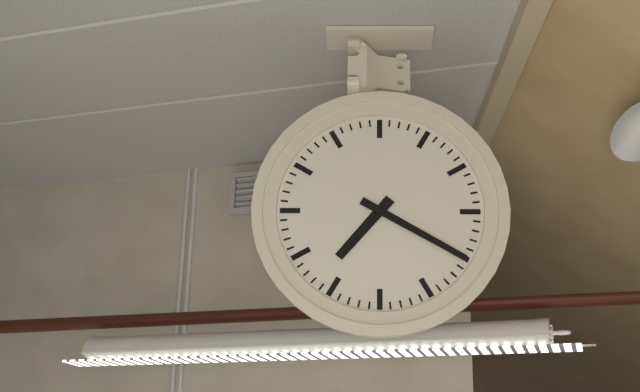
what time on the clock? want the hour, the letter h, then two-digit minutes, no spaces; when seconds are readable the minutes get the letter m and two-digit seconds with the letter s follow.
7h20
